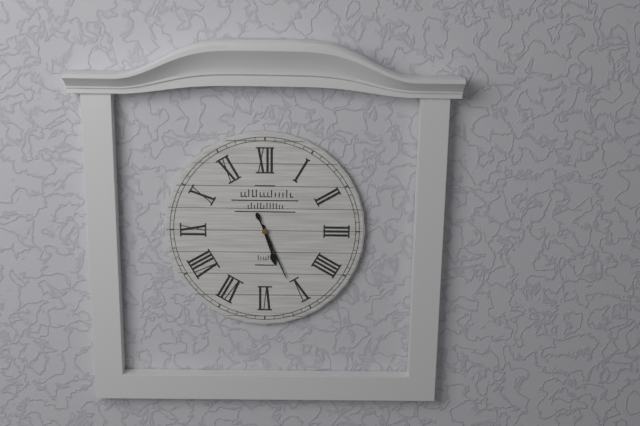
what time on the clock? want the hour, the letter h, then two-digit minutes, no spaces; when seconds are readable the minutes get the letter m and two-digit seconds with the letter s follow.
5h26
